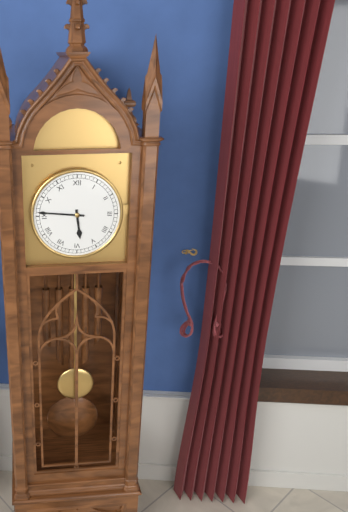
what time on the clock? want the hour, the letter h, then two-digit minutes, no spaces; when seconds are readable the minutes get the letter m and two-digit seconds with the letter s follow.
5h46
